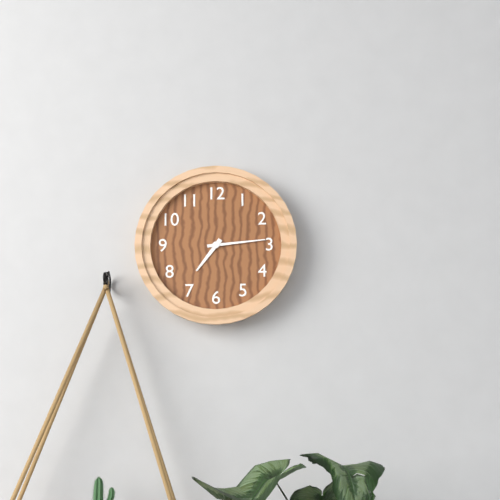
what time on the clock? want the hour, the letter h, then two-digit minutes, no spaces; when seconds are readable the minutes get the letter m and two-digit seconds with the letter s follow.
7h14
